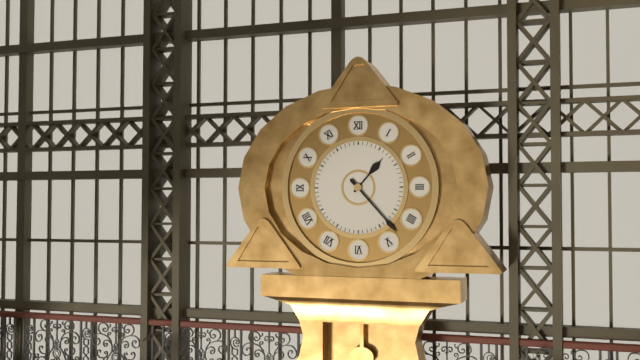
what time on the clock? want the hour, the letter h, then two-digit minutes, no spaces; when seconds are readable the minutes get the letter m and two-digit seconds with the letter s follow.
1h23
